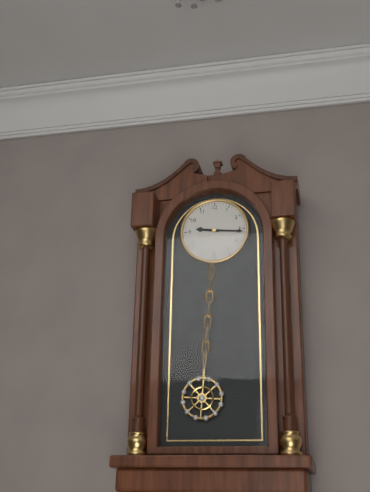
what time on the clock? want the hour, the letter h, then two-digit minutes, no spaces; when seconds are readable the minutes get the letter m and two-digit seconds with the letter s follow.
9h16
